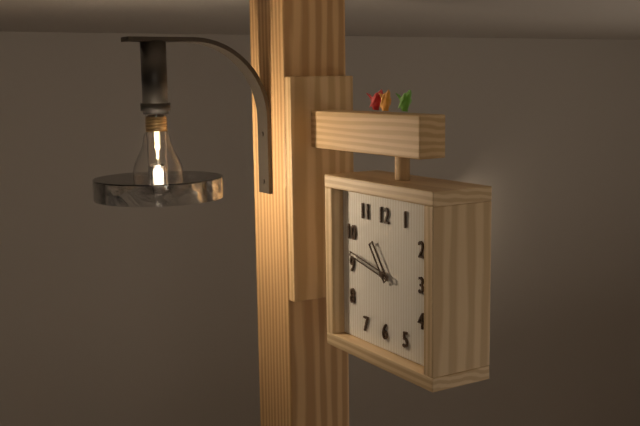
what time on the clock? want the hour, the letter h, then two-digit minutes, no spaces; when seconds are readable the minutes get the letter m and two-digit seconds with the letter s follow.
10h47
